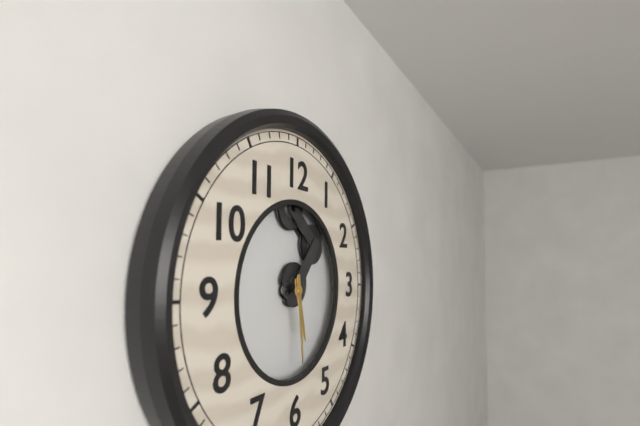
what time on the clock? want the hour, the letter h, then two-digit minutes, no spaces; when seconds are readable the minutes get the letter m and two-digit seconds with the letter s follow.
5h29
